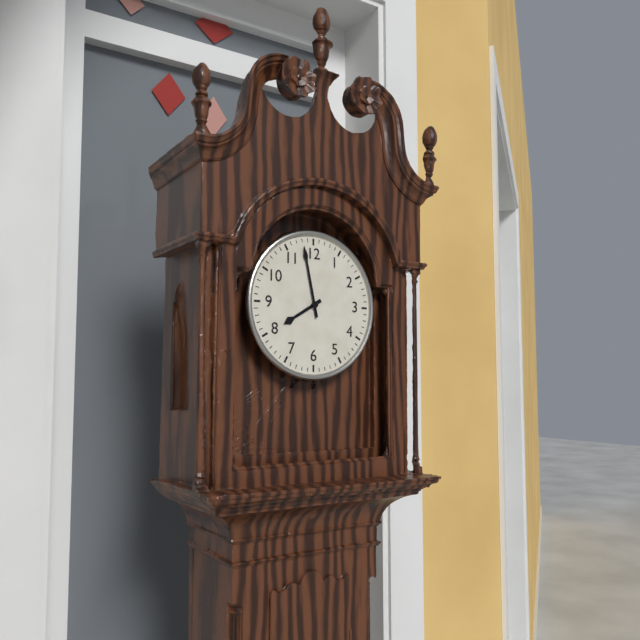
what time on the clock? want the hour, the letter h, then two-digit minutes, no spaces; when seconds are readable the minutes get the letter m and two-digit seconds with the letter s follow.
7h58
